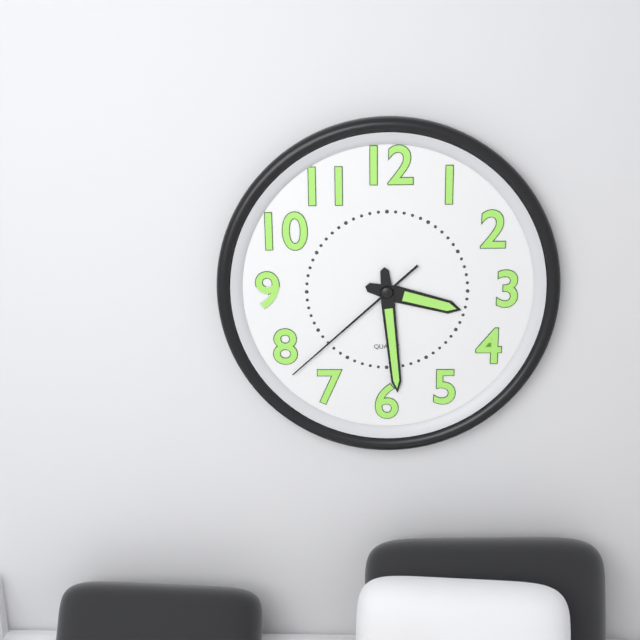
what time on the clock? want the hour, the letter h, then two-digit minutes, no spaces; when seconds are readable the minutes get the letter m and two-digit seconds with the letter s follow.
3h29m38s
